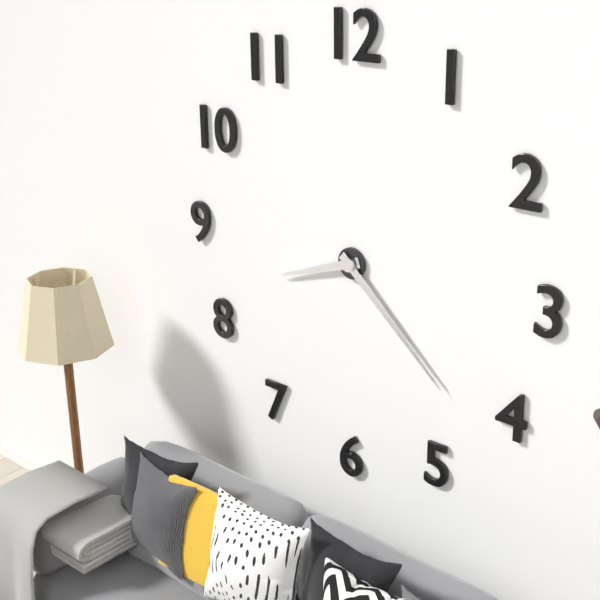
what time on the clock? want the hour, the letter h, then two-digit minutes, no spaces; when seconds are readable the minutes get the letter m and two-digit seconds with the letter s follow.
8h22
